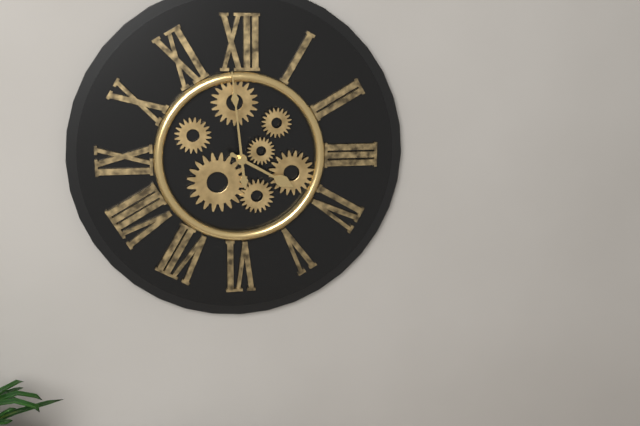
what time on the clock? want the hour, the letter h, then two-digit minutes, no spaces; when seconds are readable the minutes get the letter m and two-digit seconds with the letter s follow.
3h59
